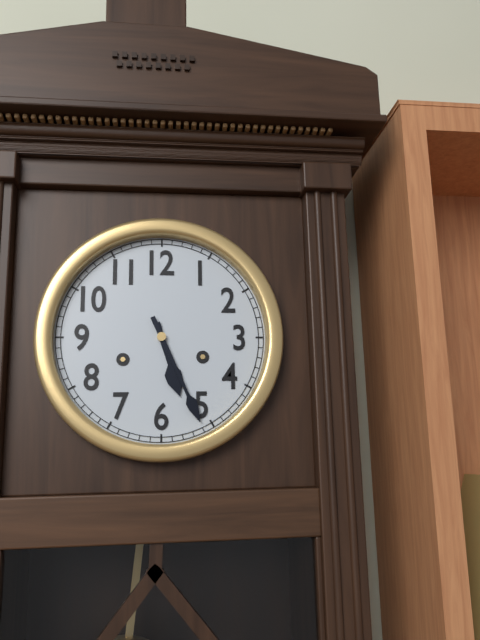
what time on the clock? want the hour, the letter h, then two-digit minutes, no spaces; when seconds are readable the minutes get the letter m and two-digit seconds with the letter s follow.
5h26
